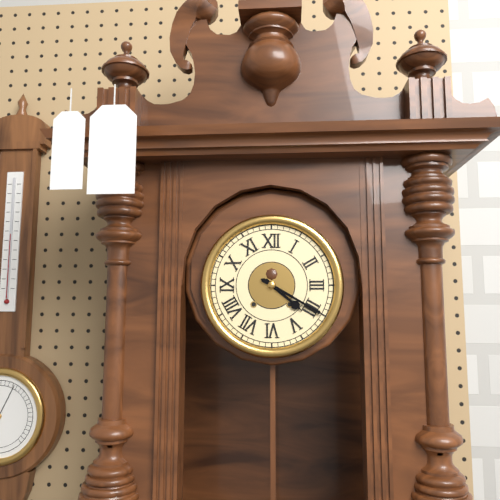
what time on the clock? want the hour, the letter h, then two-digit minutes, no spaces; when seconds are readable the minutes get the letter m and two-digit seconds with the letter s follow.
4h20
